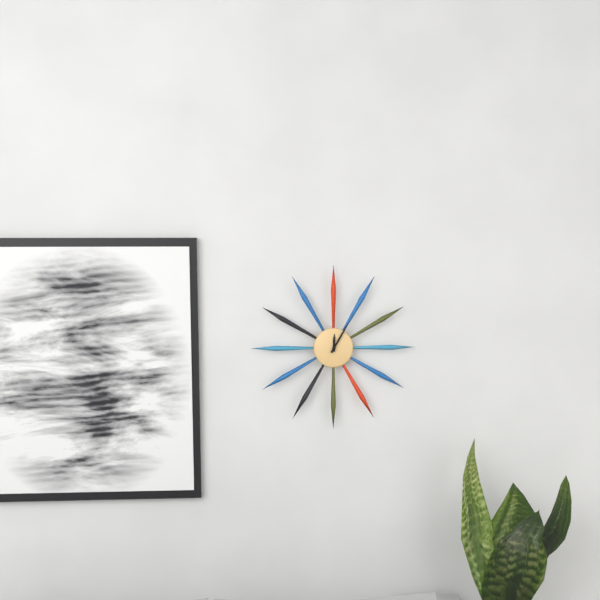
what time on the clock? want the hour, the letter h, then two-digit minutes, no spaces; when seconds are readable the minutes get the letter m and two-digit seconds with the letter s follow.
12h05
